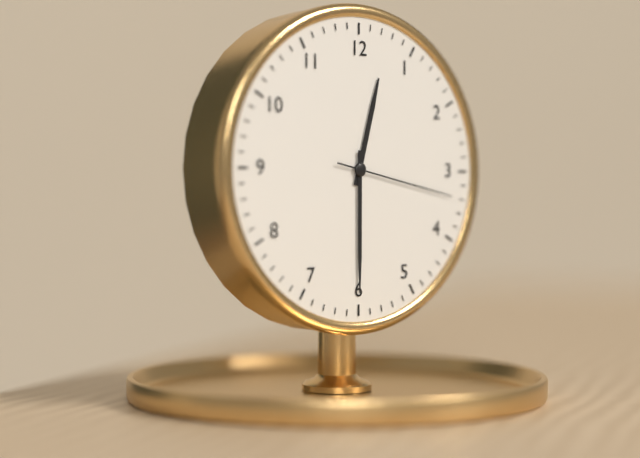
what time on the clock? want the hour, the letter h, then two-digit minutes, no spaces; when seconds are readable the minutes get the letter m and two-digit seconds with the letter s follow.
12h30m17s
